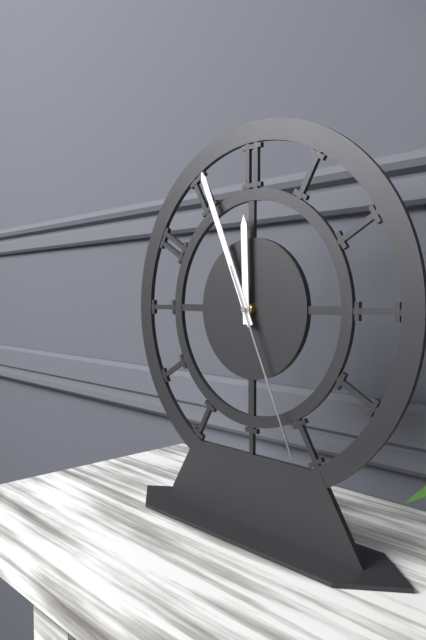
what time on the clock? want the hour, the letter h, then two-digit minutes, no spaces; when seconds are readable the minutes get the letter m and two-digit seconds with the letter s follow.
11h56m26s
